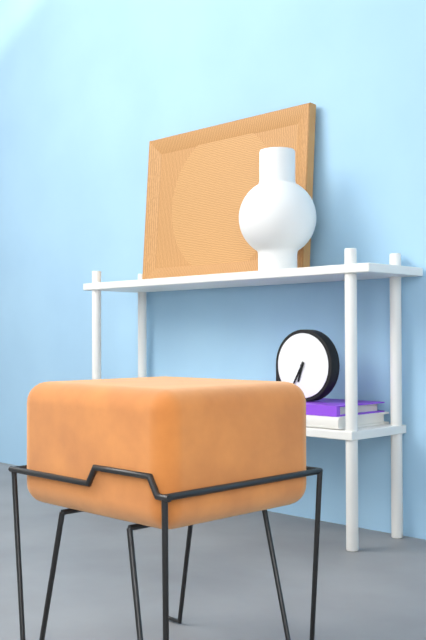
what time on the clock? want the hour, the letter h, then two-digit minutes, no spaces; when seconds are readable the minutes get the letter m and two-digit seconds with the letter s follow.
6h35
